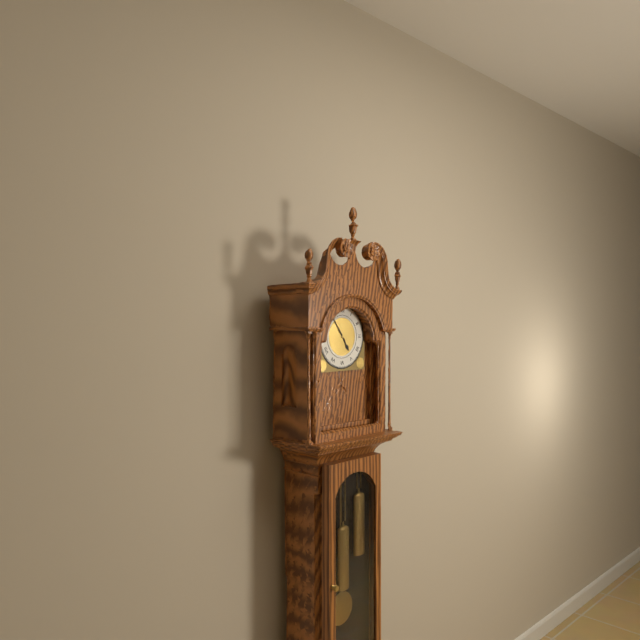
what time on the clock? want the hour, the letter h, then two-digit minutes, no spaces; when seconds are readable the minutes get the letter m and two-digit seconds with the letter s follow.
4h54
